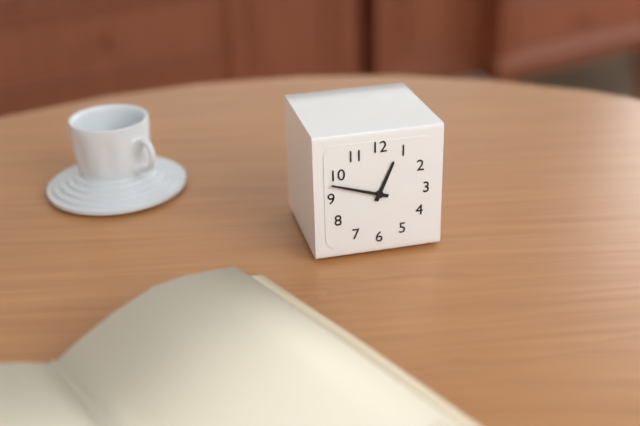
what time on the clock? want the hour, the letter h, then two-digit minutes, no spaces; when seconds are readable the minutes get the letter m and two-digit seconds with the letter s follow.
12h48
